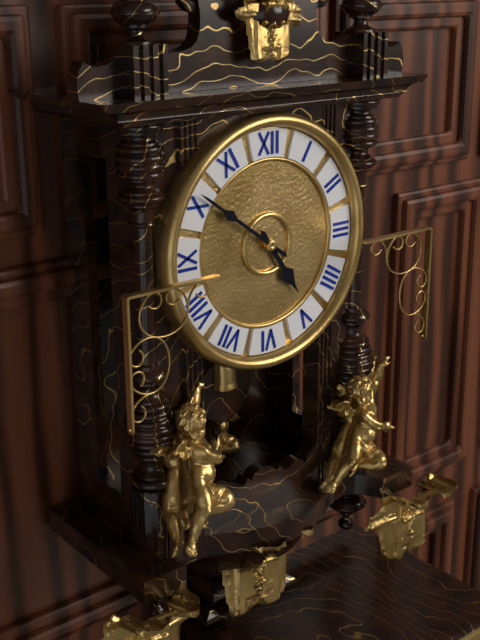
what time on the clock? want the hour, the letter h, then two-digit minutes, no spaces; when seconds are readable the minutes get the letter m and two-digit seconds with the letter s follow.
4h51
